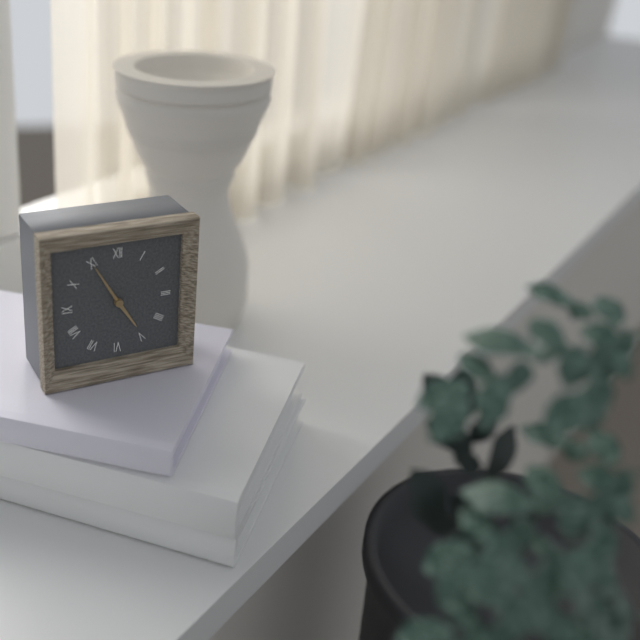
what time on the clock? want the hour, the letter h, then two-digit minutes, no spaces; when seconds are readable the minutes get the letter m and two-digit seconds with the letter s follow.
4h55
